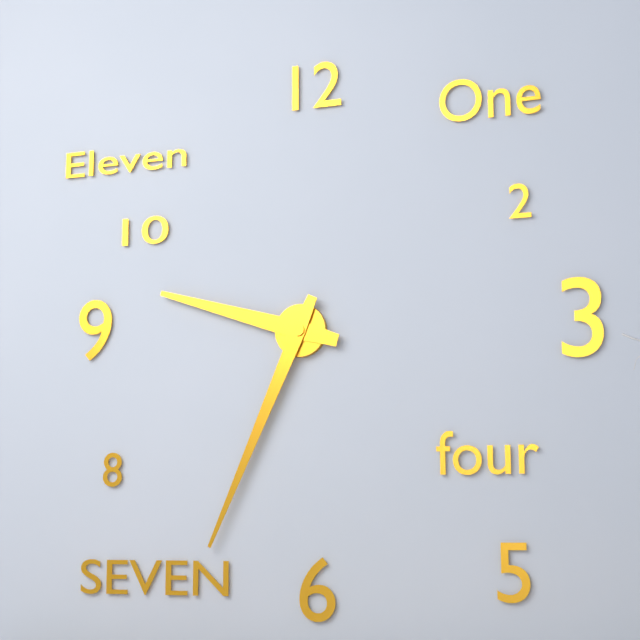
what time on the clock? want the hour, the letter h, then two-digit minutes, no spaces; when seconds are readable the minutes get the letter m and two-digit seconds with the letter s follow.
9h34
